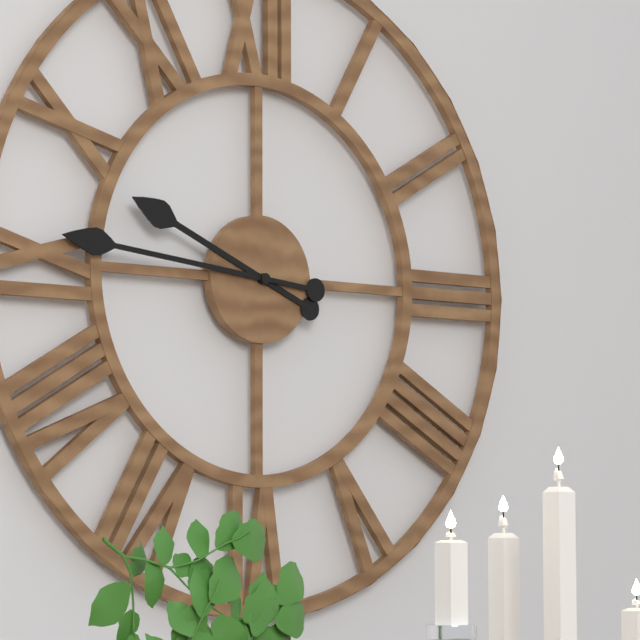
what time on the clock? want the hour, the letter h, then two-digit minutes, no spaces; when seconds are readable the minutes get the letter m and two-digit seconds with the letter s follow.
9h46
